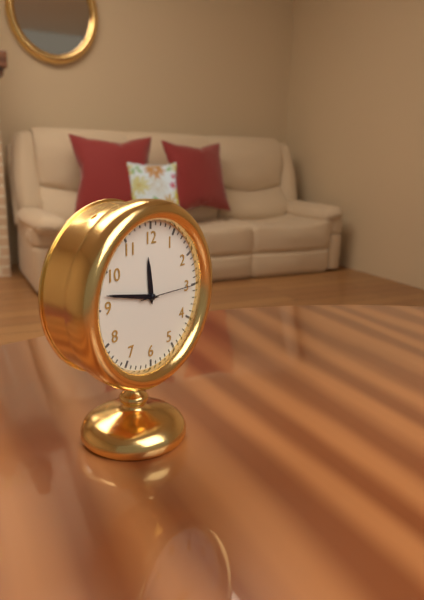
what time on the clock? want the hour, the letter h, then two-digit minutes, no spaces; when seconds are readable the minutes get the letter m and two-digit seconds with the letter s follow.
11h47m15s
